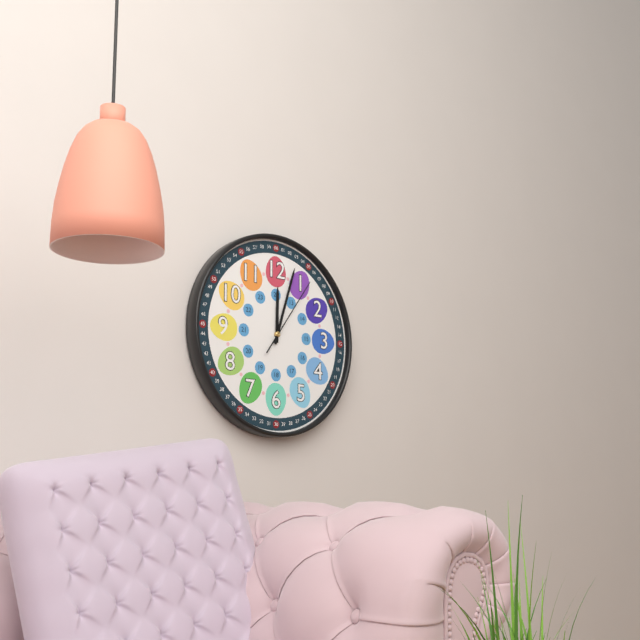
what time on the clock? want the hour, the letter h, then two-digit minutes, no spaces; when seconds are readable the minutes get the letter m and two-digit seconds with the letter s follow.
12h03m06s
